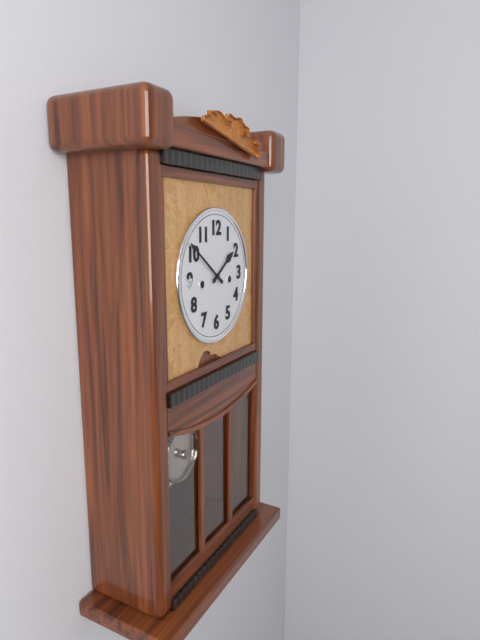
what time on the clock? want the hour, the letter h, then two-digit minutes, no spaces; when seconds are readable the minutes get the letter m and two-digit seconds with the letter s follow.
1h51
